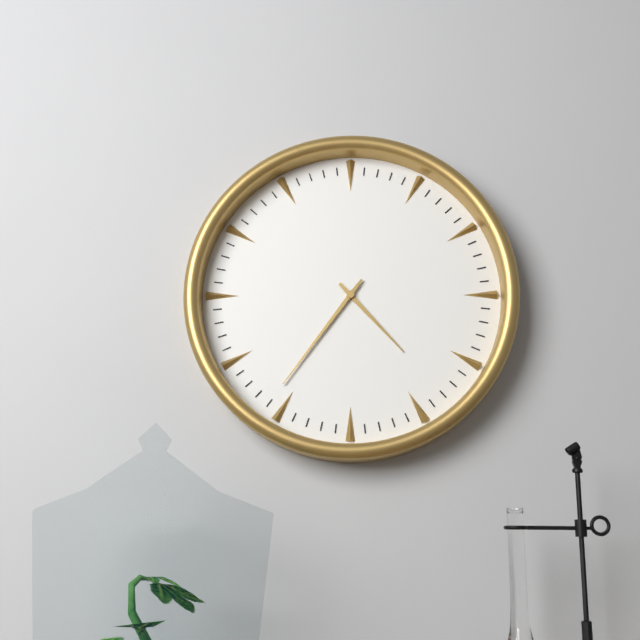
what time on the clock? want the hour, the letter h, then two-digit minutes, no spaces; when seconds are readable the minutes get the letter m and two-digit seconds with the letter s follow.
4h36
